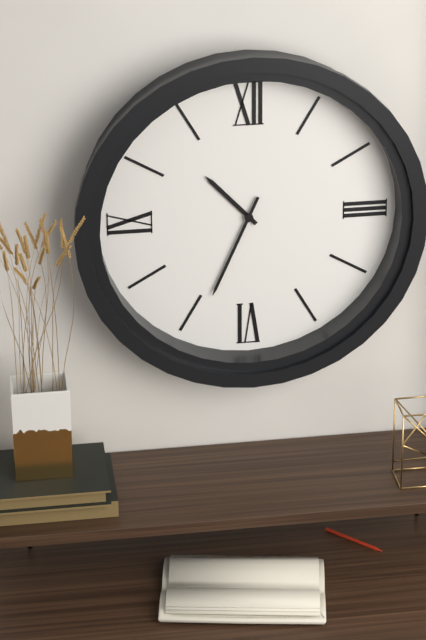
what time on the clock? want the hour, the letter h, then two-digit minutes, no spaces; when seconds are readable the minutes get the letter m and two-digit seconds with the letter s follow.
10h34
